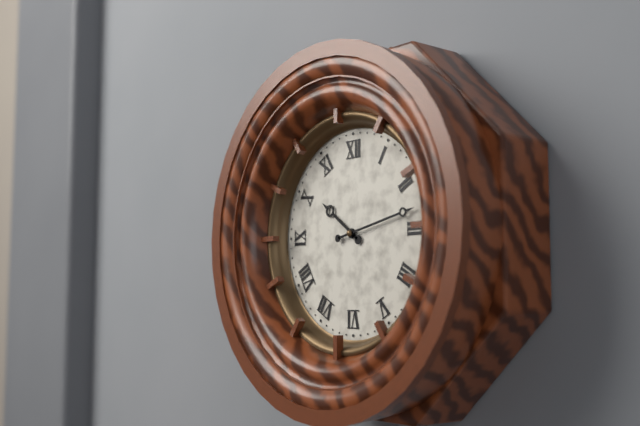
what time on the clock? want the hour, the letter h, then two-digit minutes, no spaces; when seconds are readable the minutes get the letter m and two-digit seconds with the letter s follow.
10h13
